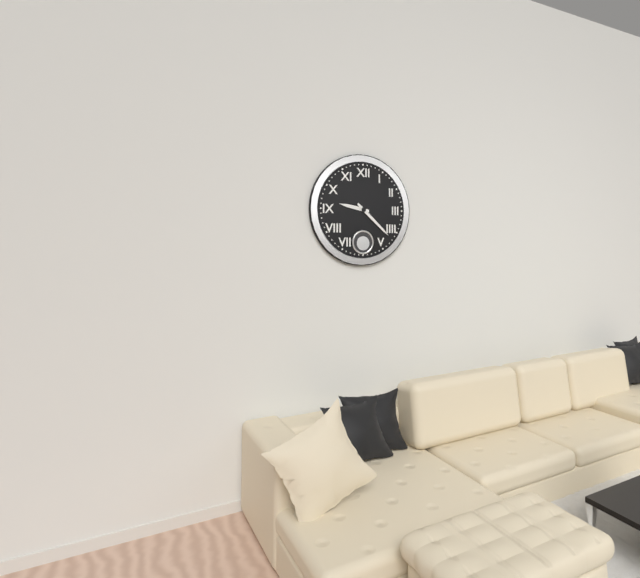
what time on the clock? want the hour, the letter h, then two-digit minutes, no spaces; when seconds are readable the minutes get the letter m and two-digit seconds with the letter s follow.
9h22
